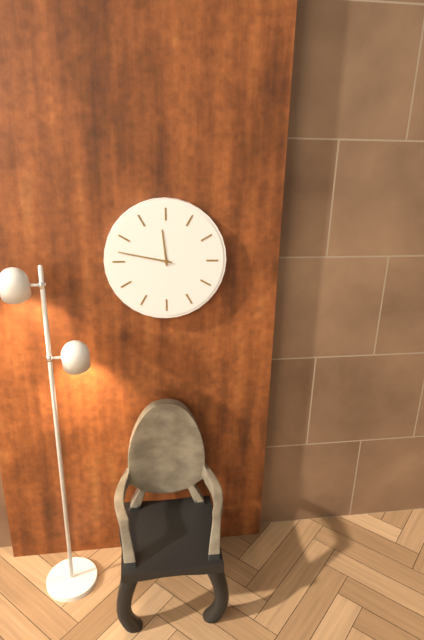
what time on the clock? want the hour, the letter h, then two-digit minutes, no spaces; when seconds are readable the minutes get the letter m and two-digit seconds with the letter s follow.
11h47
